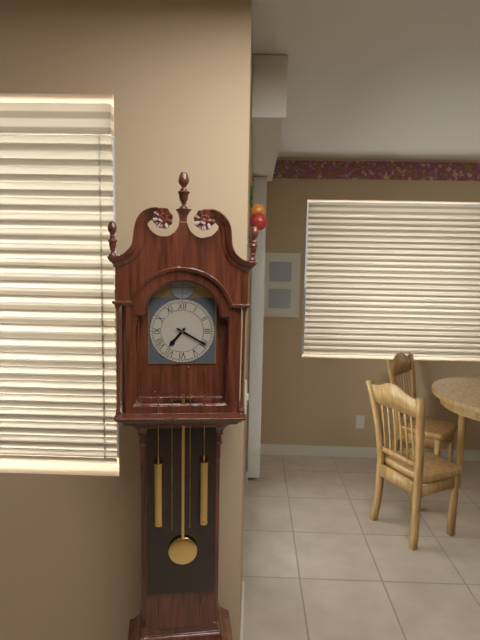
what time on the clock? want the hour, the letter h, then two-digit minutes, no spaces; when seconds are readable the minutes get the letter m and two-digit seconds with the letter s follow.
7h20
